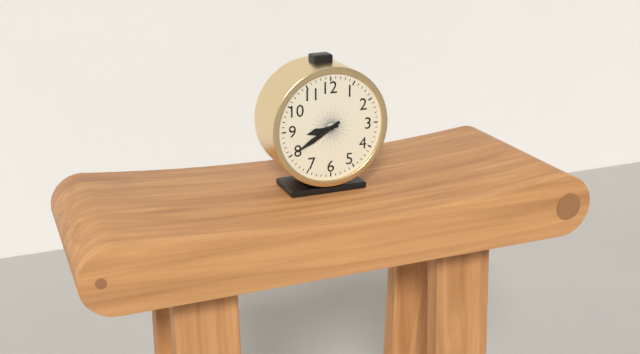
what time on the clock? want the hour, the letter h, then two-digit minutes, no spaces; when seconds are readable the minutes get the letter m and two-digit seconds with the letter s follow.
8h40
